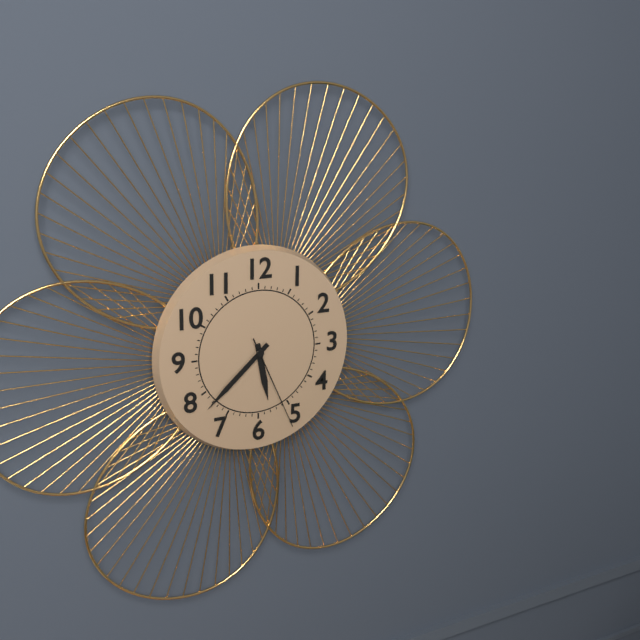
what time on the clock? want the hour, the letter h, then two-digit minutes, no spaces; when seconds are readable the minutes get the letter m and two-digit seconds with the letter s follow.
5h38m26s
